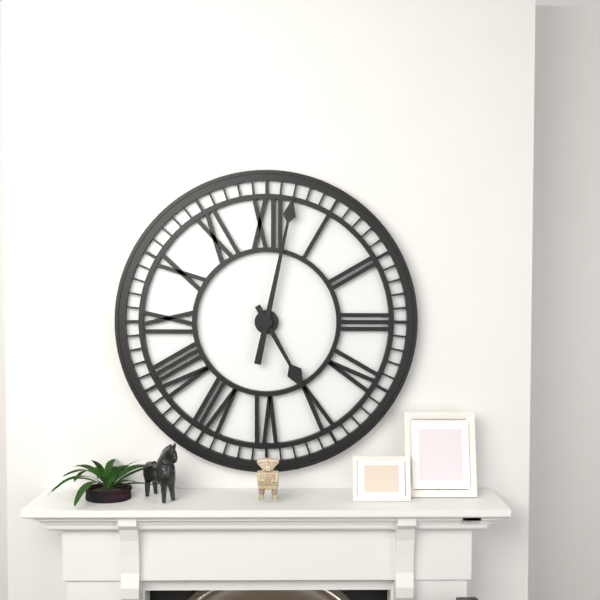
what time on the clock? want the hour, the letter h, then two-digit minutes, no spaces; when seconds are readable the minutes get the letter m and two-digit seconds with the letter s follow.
5h02
